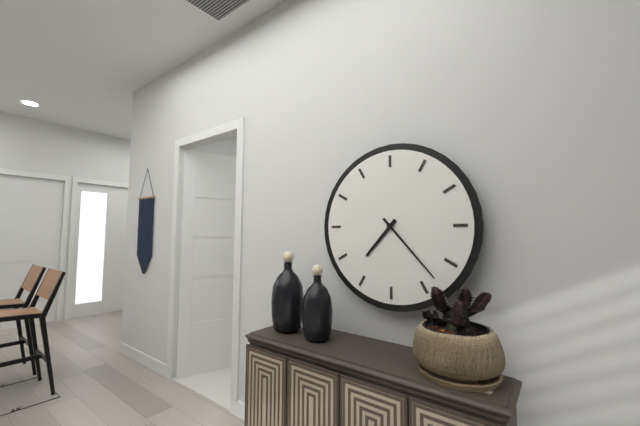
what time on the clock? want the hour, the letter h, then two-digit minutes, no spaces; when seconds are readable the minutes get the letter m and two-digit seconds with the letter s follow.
7h23
